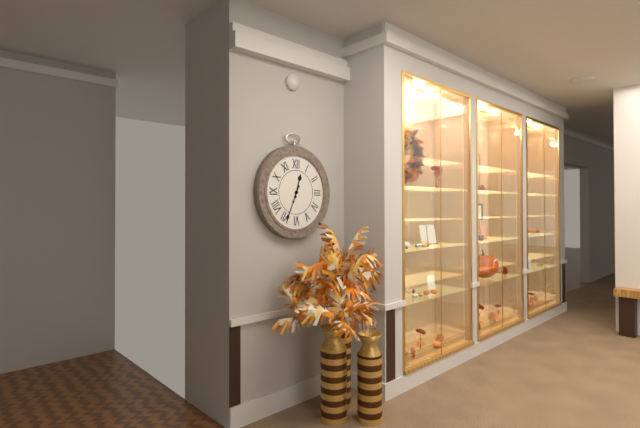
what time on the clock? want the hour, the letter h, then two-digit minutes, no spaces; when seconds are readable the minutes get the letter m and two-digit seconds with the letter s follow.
12h34
